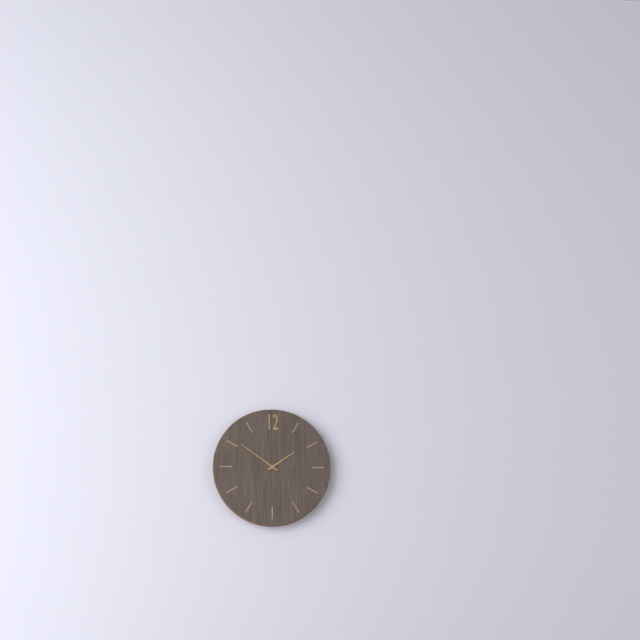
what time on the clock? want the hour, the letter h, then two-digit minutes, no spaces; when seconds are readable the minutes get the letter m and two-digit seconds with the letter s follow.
1h51
